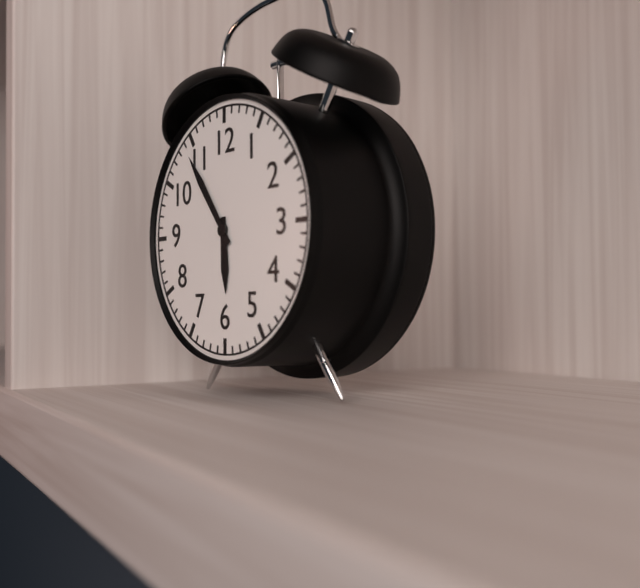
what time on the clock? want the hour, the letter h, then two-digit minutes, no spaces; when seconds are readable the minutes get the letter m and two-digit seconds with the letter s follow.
5h54
